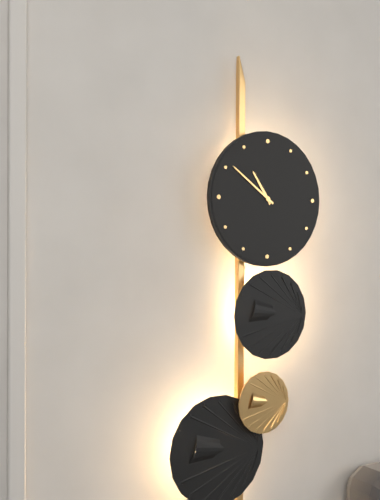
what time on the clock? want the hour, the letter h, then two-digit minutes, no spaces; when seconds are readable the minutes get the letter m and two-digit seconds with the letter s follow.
10h51
